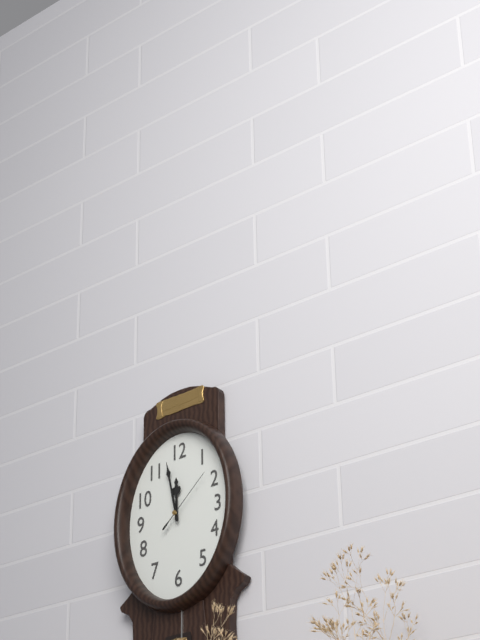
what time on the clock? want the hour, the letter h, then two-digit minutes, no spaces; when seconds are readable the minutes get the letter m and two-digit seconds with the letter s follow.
11h58m08s
